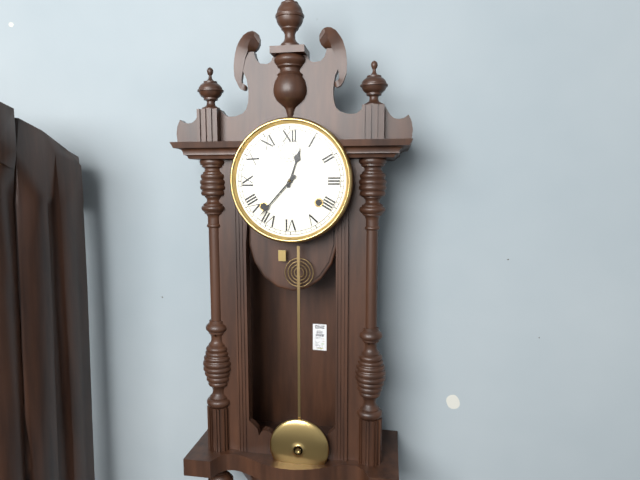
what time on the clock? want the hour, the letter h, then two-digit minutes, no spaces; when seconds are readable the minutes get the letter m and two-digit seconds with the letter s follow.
12h37
